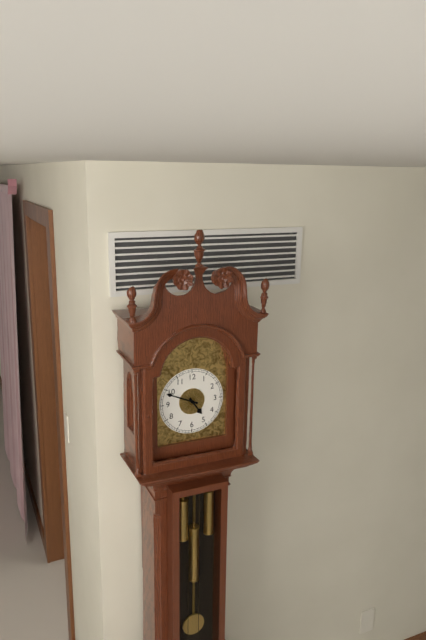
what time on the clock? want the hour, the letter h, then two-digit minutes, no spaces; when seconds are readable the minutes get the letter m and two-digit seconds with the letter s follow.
4h49
